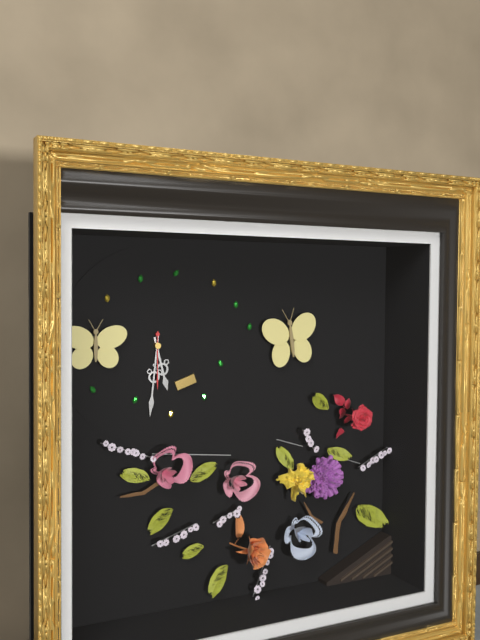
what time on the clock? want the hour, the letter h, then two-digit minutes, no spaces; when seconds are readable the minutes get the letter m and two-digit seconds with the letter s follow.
5h31m30s
